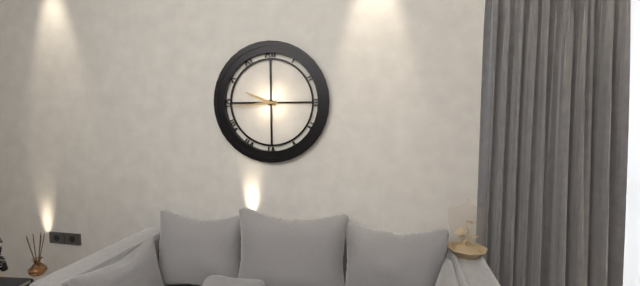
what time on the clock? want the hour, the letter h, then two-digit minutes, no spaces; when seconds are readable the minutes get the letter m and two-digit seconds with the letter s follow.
9h44
